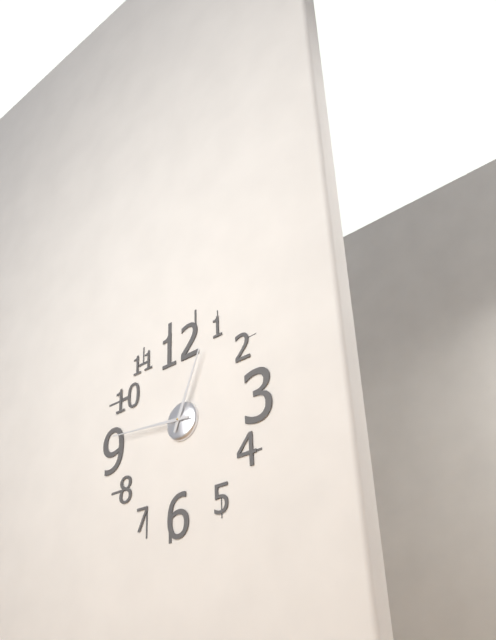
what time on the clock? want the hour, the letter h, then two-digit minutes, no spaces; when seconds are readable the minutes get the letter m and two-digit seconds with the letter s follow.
12h46
